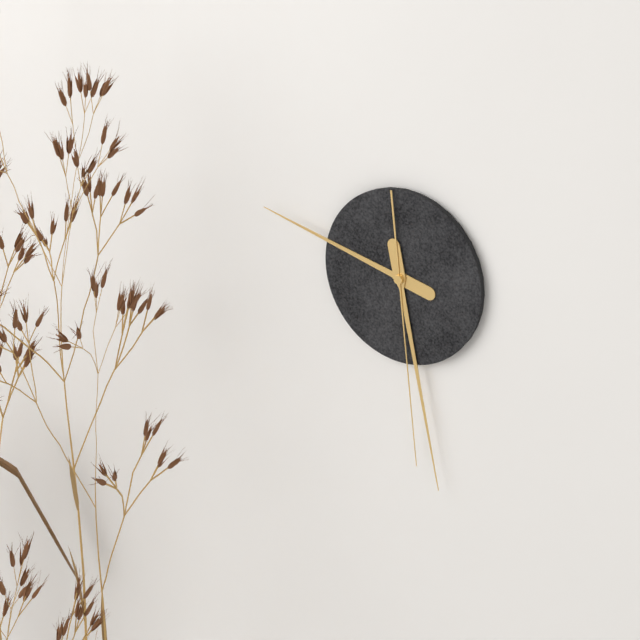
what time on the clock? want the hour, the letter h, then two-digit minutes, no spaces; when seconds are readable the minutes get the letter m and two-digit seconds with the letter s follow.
9h28m29s
